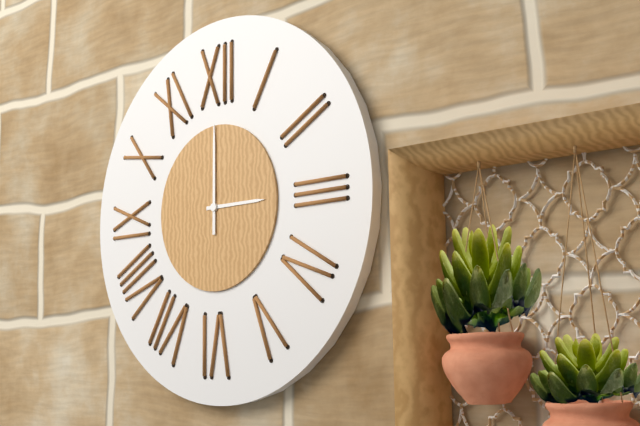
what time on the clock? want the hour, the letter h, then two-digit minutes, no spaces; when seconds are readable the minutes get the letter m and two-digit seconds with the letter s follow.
3h00
